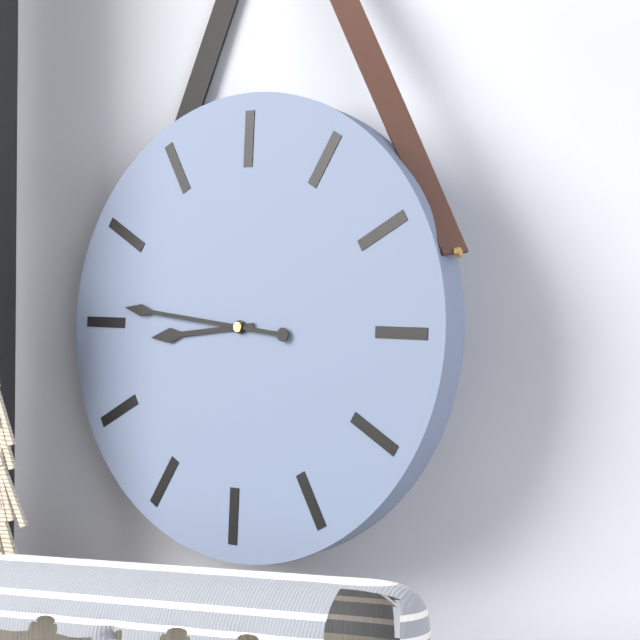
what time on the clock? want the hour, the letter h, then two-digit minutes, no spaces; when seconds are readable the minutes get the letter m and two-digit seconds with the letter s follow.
8h46
